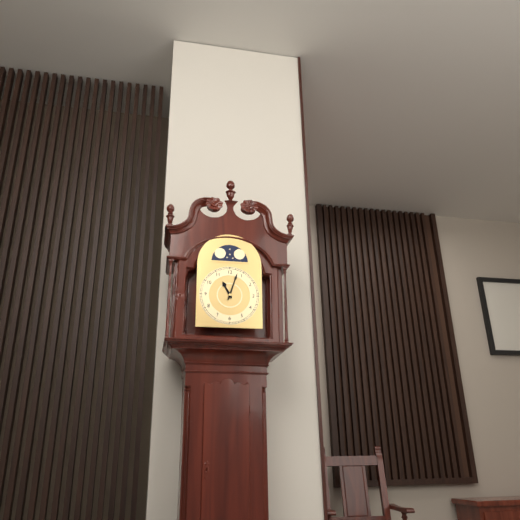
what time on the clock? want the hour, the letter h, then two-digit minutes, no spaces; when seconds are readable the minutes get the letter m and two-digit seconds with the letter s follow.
11h03
